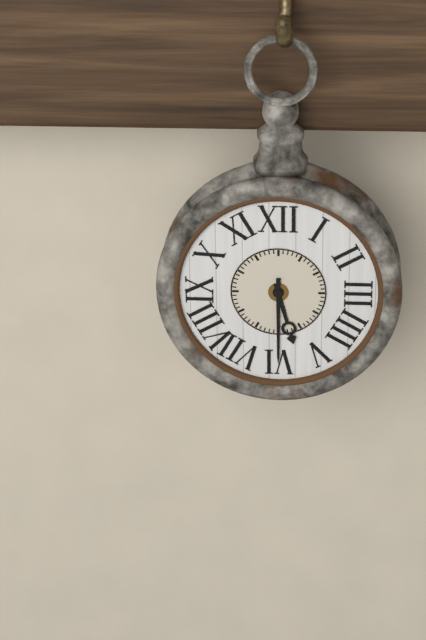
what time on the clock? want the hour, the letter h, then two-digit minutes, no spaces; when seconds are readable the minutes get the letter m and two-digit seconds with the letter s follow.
5h30
